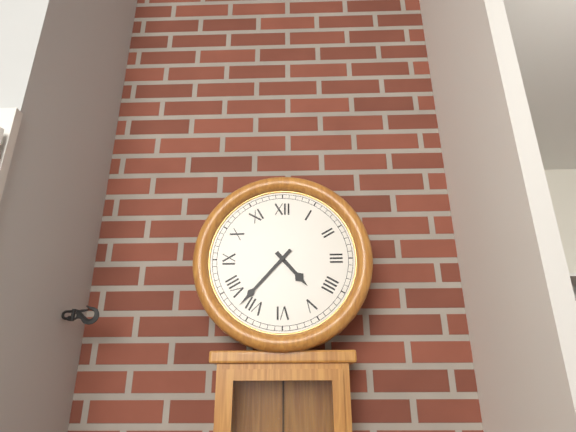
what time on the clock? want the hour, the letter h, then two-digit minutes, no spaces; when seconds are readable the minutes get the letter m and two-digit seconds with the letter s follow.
4h37
